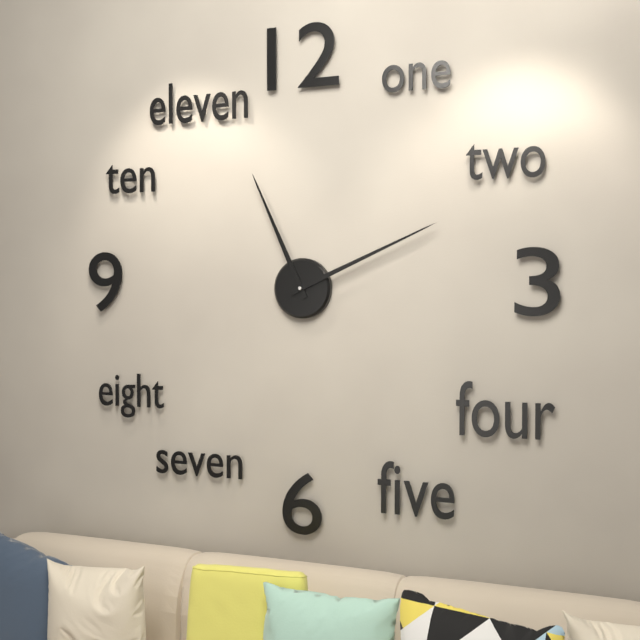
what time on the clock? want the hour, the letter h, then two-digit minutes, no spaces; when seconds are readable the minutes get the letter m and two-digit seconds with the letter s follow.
11h11
